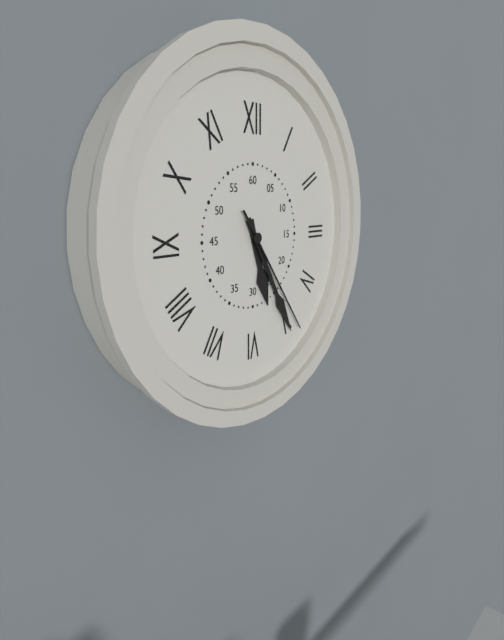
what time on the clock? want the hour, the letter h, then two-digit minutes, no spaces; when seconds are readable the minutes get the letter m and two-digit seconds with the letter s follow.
5h25m24s
